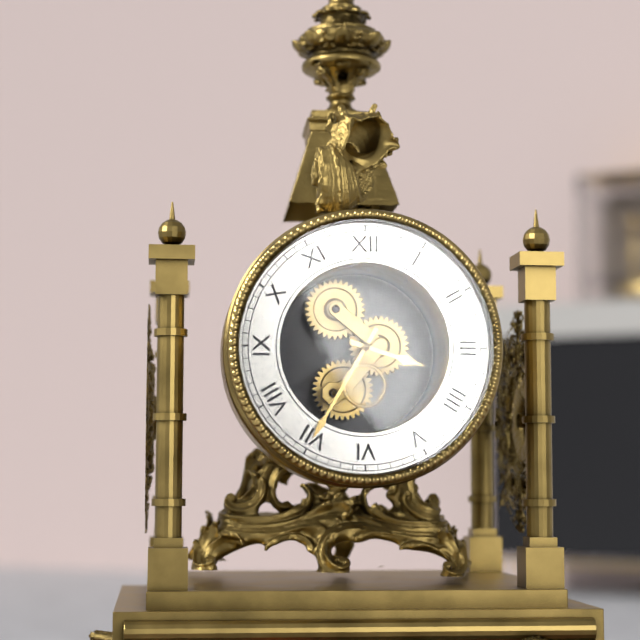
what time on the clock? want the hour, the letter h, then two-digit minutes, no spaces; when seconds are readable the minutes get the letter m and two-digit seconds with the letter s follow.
3h35
